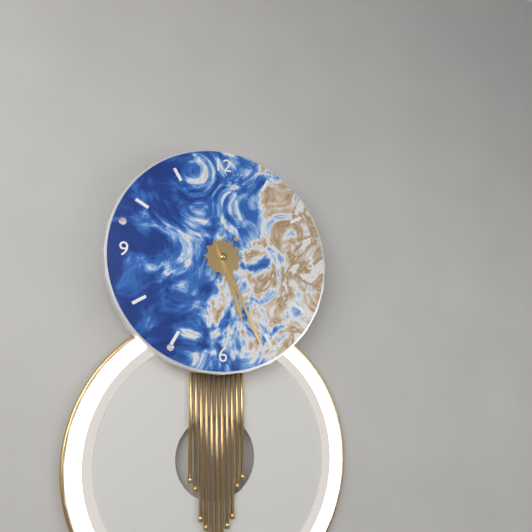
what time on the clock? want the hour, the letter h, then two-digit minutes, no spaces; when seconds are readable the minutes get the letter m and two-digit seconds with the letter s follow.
5h26
